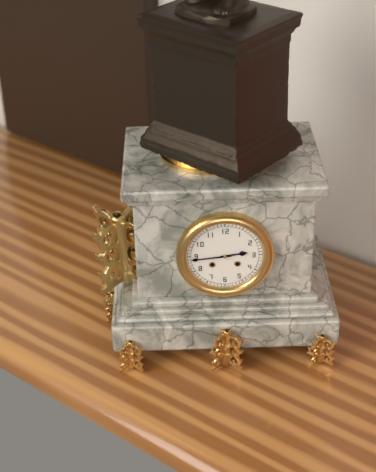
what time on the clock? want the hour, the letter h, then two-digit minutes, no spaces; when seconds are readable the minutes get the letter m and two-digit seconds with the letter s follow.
2h44
